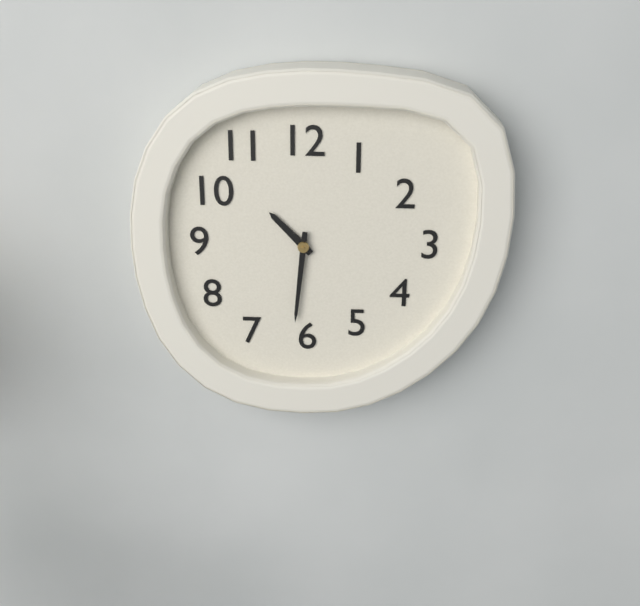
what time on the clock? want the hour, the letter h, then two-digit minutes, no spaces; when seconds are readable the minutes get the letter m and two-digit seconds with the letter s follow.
10h31
